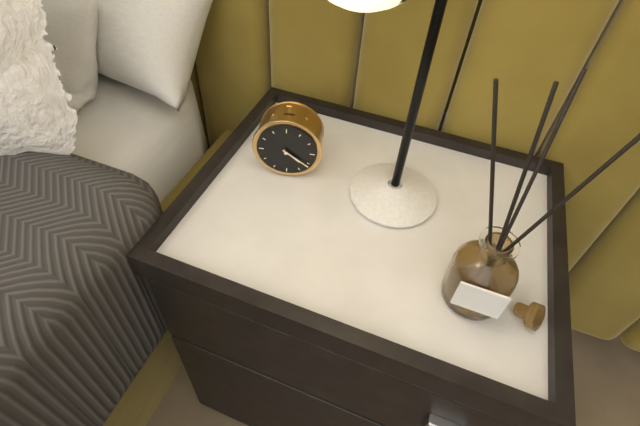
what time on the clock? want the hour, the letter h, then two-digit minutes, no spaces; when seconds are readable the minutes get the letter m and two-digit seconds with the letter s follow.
4h21
